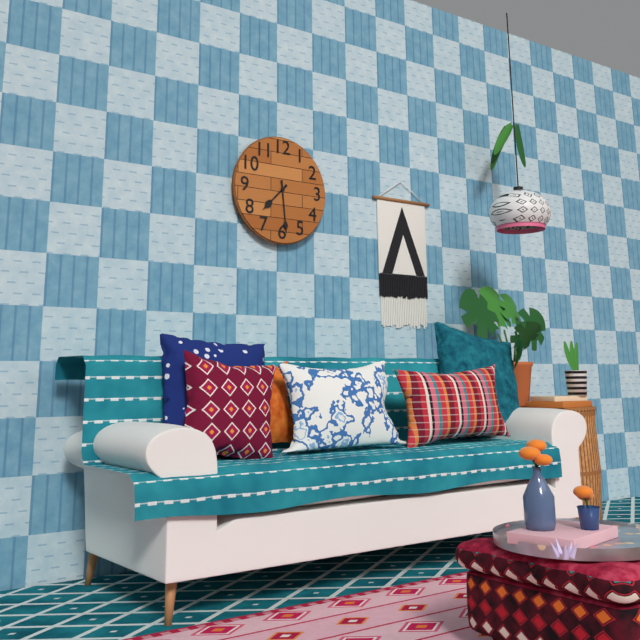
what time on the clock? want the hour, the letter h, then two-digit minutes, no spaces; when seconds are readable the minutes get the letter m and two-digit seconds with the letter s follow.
7h29
